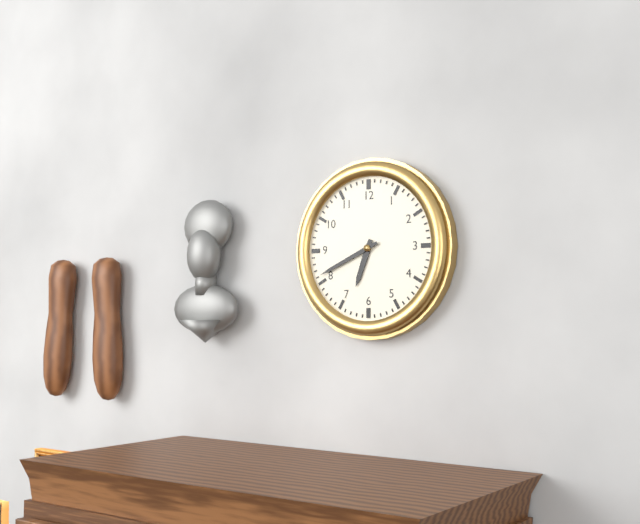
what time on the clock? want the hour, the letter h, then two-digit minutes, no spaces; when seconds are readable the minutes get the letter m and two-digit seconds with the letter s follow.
6h41
